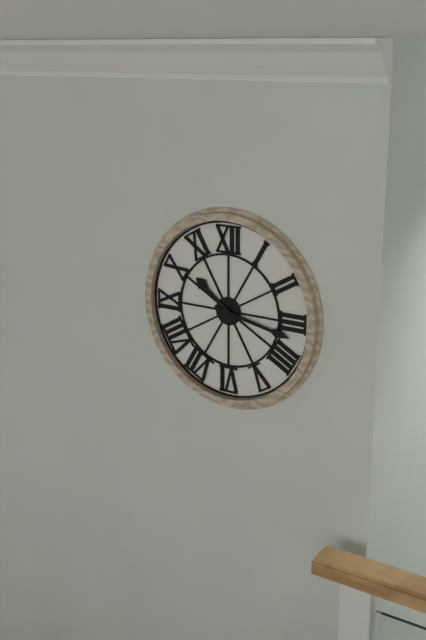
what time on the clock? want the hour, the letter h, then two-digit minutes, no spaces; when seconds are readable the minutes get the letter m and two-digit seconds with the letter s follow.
10h17
